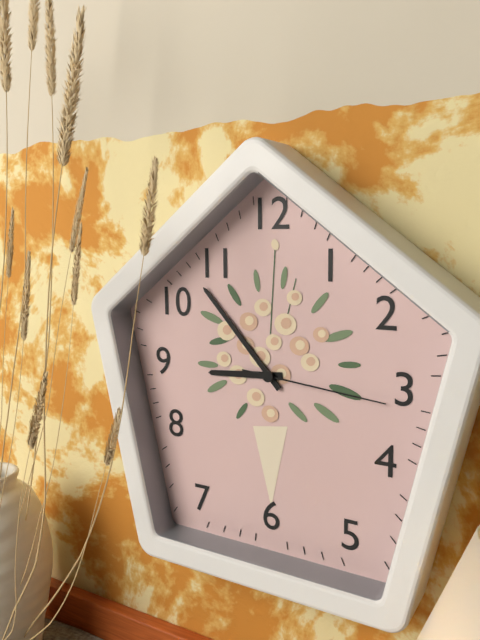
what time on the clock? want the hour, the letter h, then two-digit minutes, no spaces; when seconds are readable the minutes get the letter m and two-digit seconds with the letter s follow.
8h53m16s
